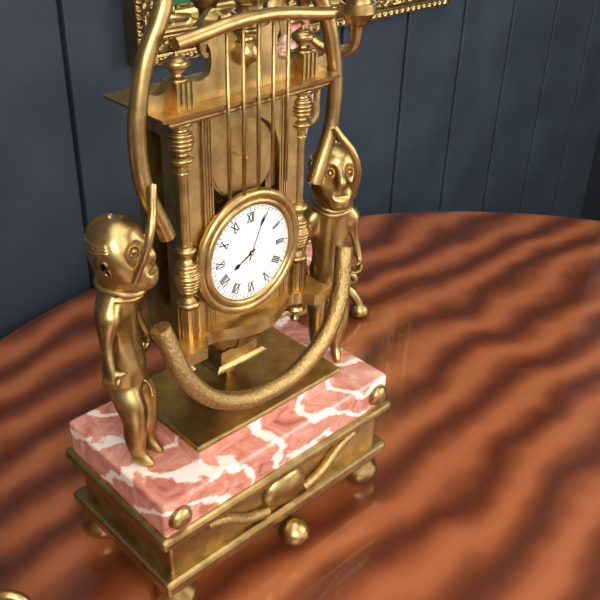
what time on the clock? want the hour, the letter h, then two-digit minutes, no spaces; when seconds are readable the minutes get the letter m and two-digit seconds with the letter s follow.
8h04
